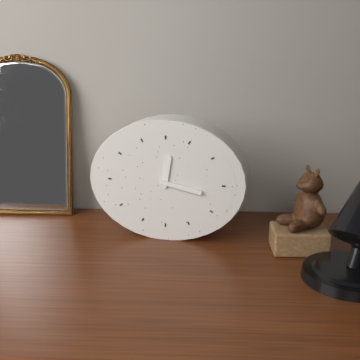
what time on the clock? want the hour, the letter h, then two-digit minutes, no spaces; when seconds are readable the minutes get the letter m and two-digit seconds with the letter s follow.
12h17
